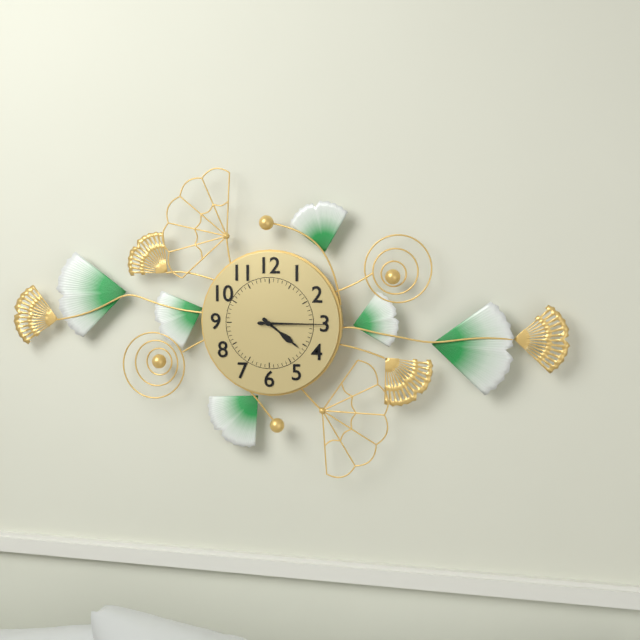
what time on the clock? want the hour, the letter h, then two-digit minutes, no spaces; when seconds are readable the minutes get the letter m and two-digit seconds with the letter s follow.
4h15
